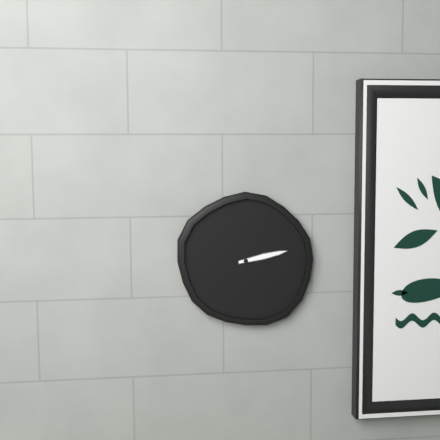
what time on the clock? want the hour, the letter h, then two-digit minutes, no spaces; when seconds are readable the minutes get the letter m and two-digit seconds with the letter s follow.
2h13
